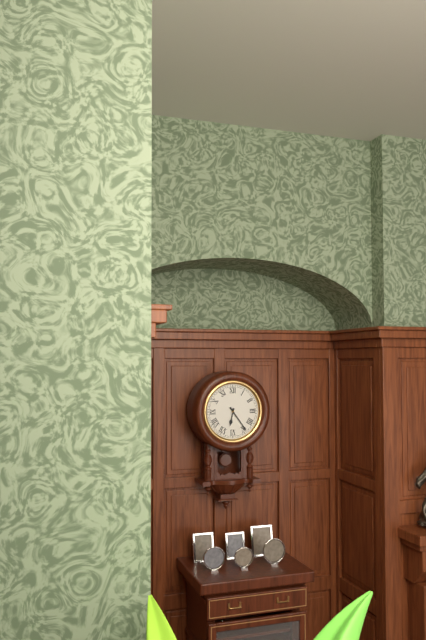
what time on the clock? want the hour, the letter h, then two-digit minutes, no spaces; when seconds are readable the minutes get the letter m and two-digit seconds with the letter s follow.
6h24
